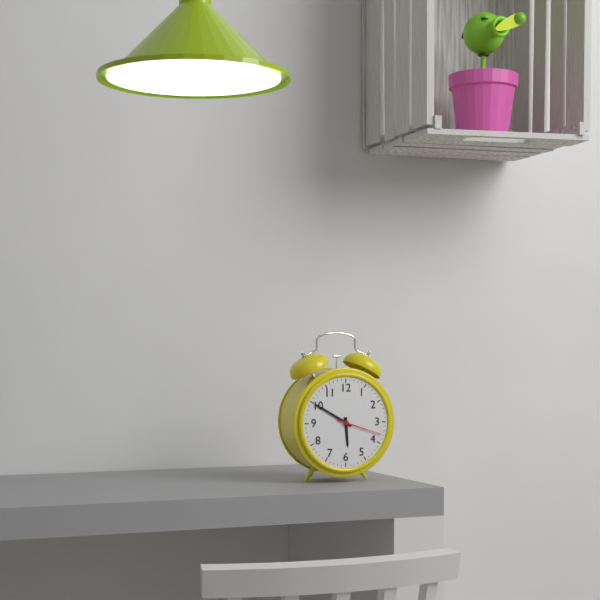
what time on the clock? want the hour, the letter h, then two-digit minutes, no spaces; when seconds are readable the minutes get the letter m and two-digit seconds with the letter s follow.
5h50
